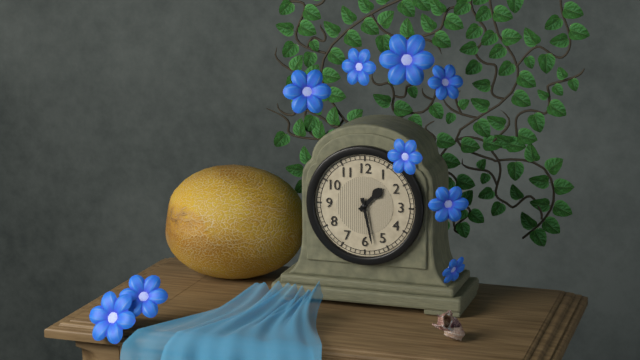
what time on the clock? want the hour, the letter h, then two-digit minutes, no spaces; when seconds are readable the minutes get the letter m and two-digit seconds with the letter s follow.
1h28
